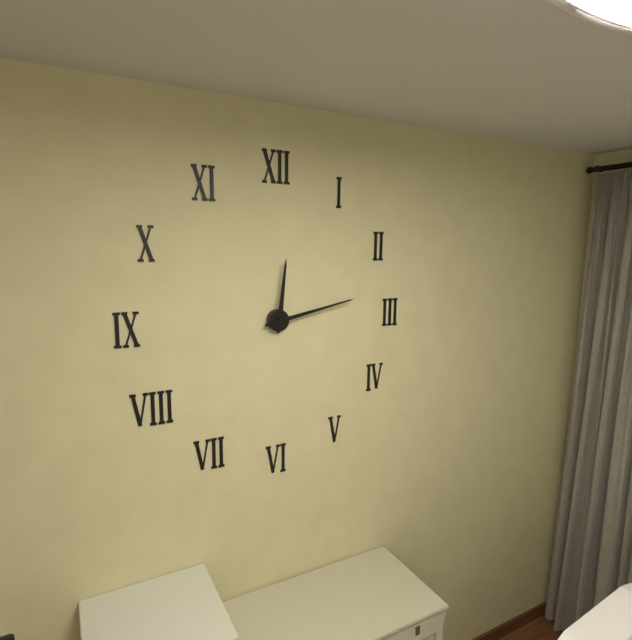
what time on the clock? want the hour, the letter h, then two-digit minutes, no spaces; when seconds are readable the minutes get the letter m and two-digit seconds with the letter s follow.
12h13
